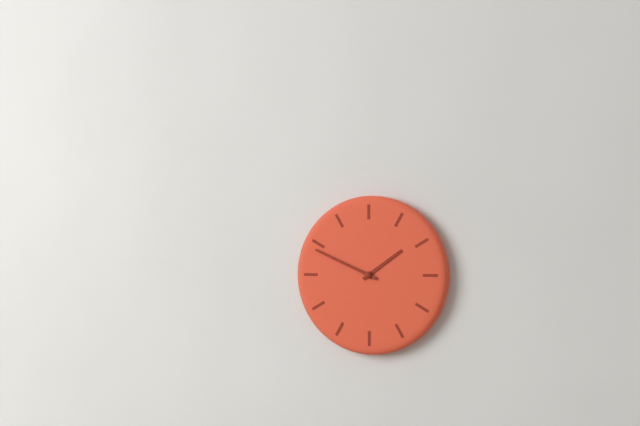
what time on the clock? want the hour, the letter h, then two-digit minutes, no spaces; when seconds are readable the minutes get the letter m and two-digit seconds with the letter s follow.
1h49
